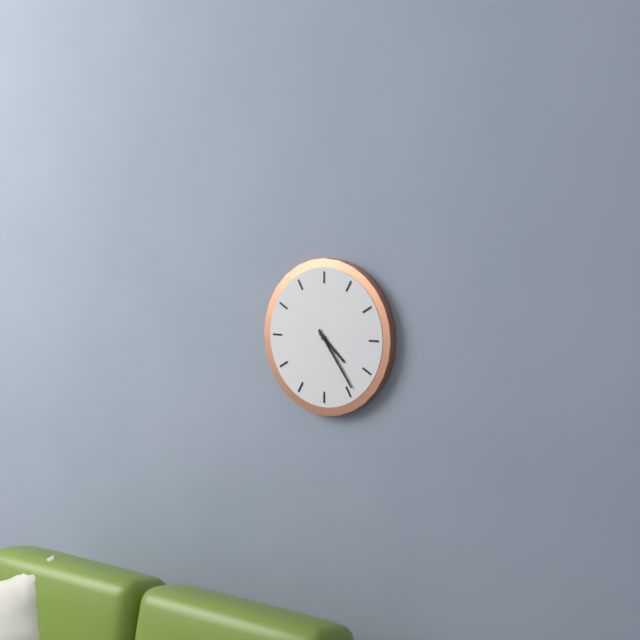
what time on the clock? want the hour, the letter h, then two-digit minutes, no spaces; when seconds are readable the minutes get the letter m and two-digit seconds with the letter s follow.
4h24
